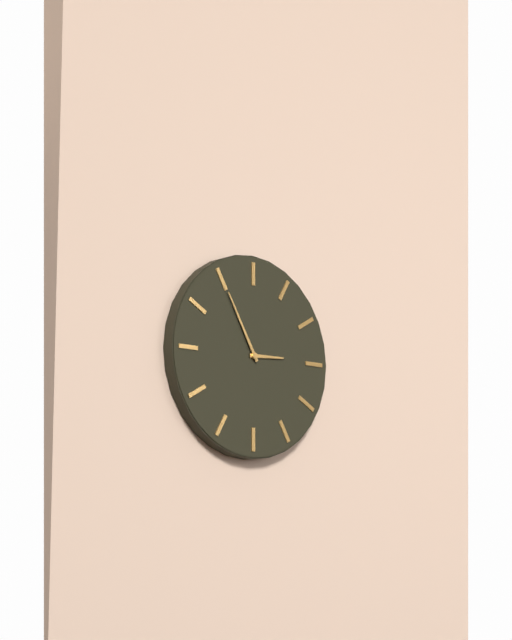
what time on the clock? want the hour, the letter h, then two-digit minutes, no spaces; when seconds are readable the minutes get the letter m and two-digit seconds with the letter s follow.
2h55
